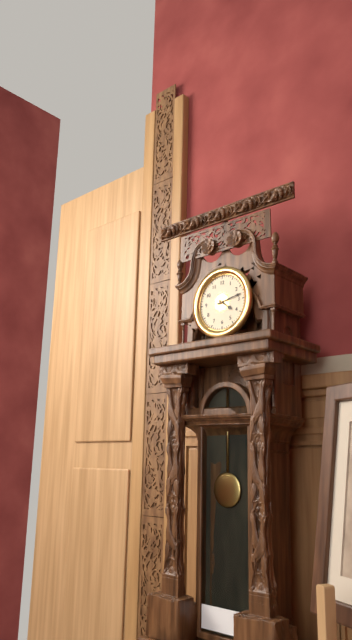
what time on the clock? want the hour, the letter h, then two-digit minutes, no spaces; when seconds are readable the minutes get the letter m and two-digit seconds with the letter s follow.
4h13
